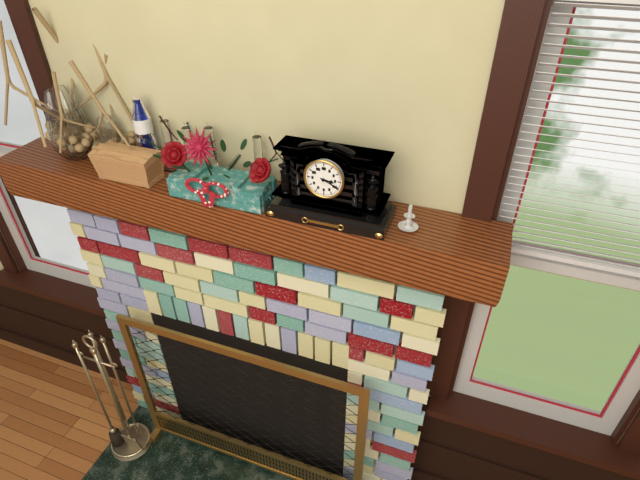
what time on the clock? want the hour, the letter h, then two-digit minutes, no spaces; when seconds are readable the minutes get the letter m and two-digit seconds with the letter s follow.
3h19
